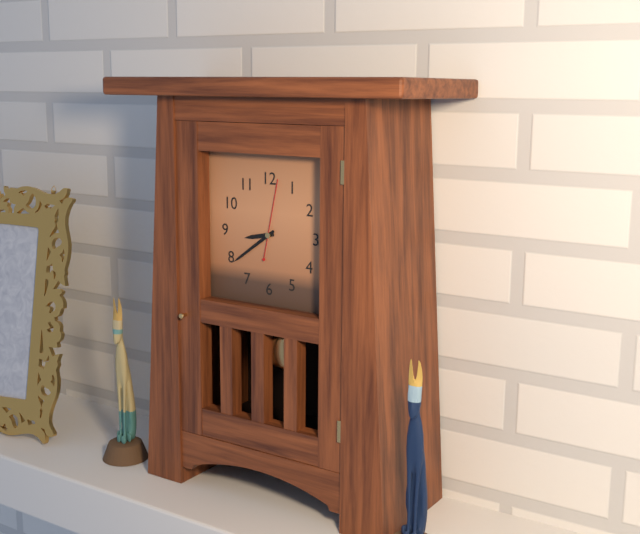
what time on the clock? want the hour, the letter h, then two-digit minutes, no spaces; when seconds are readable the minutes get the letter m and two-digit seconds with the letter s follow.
8h39m02s
